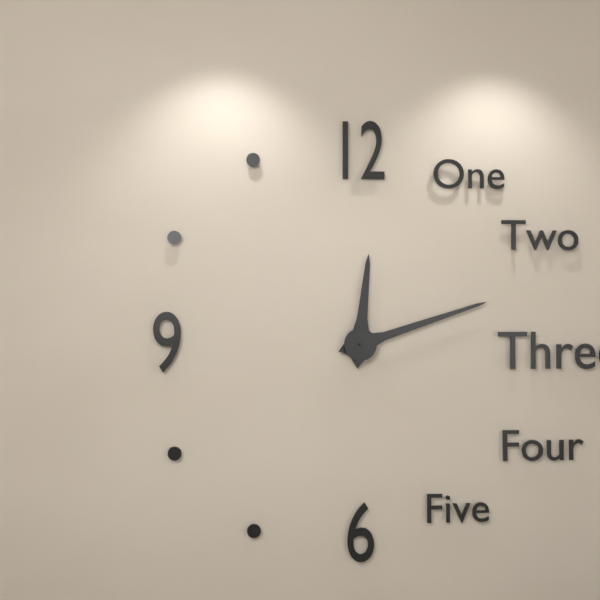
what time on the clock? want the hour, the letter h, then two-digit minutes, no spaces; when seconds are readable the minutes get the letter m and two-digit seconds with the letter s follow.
12h12
